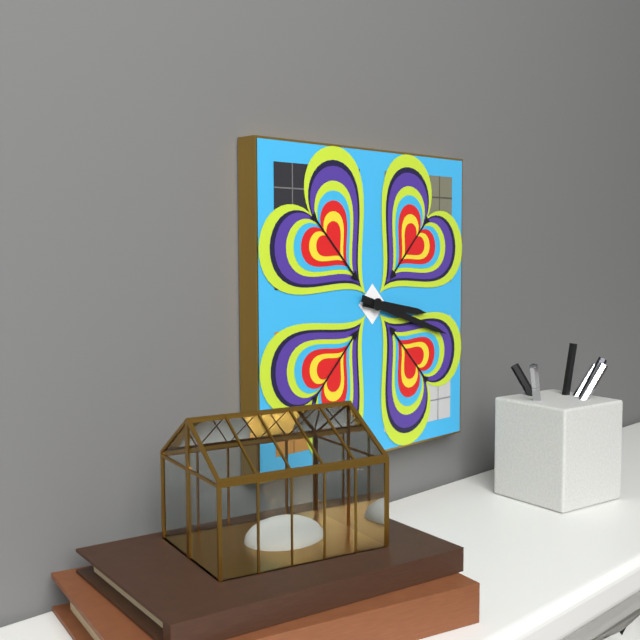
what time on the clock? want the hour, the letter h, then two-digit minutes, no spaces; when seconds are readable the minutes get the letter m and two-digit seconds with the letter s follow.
3h18
